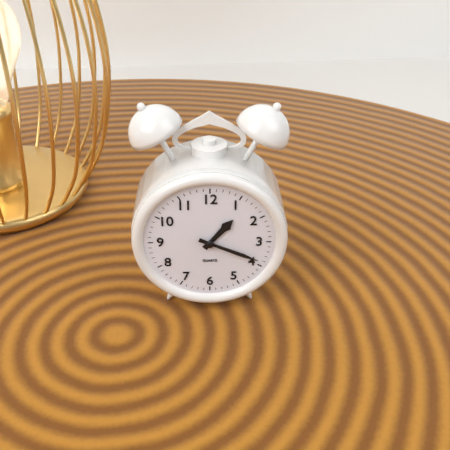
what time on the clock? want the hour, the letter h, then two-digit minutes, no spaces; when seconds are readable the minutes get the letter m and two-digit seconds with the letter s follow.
1h19
